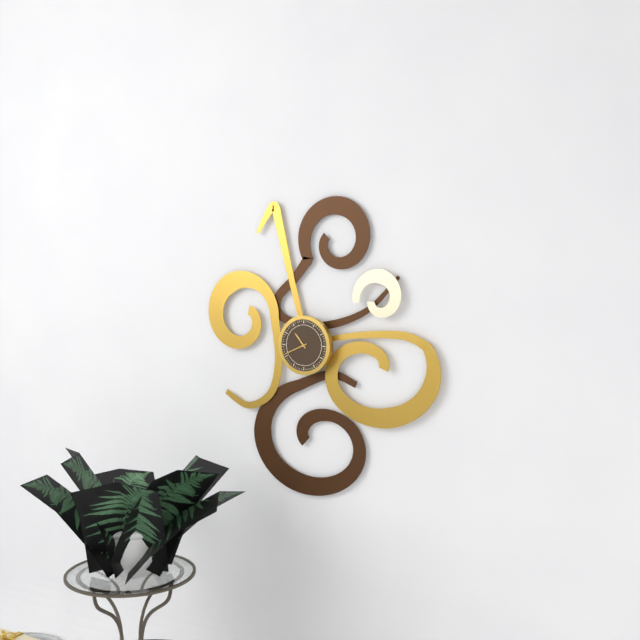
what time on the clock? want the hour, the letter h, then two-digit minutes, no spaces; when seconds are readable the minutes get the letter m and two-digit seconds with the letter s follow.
10h41
